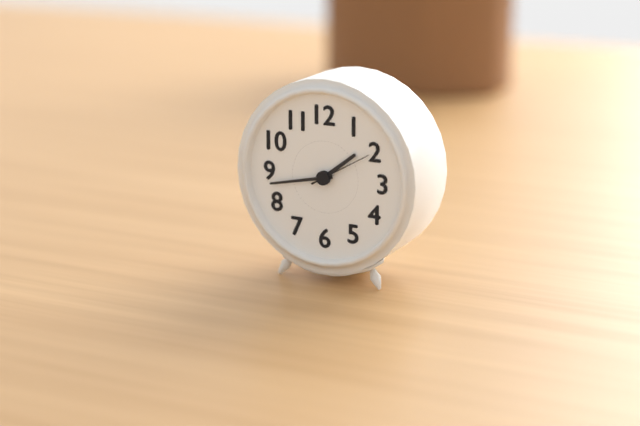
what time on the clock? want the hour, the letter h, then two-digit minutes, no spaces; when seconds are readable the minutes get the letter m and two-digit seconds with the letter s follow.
1h43m10s
